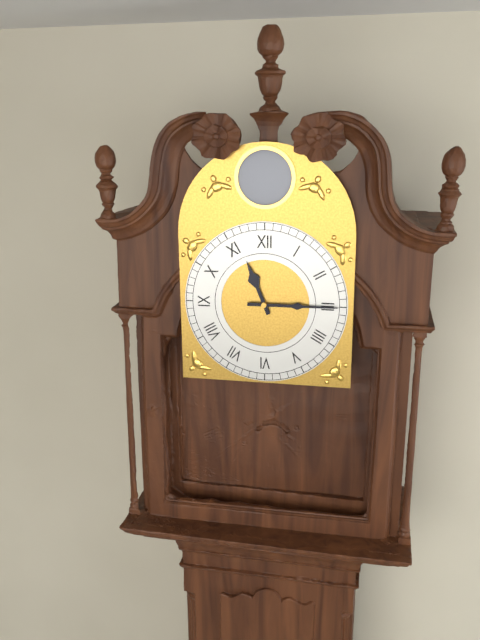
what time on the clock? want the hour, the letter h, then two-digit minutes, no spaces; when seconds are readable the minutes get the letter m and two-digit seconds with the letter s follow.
11h15
